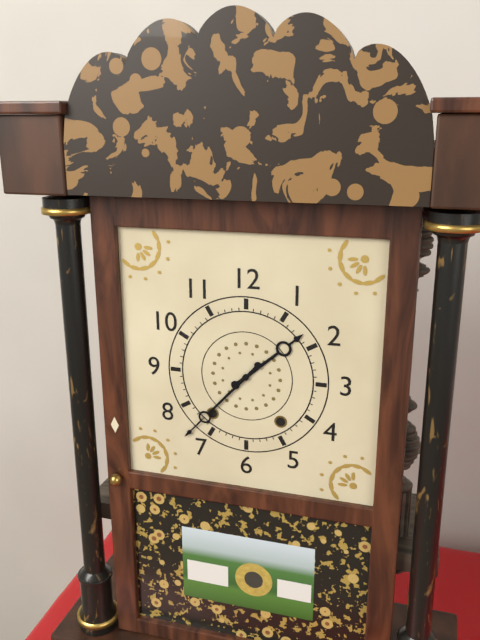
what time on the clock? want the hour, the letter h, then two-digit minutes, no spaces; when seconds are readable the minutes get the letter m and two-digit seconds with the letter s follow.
1h37
